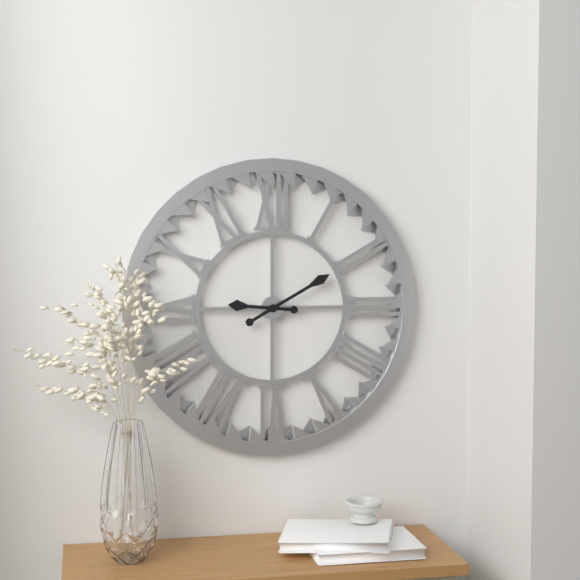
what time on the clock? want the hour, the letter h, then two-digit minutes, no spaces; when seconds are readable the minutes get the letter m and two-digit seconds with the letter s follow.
9h10
